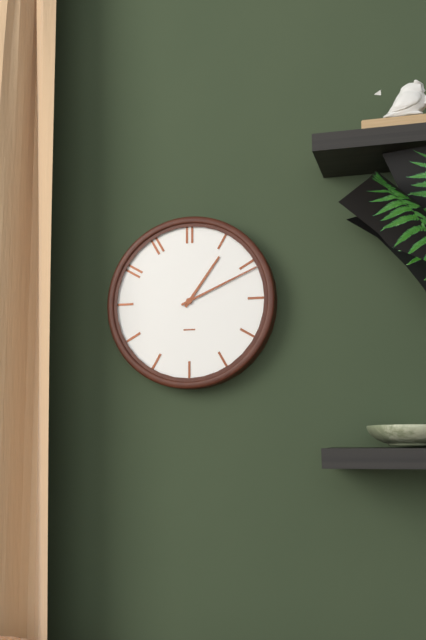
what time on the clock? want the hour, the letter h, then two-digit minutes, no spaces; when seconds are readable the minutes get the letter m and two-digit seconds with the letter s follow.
1h11
